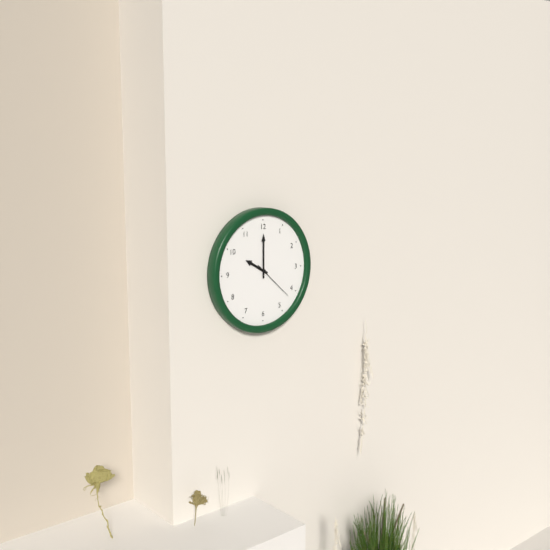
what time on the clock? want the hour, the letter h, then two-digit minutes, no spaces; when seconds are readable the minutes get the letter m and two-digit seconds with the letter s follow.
10h00
